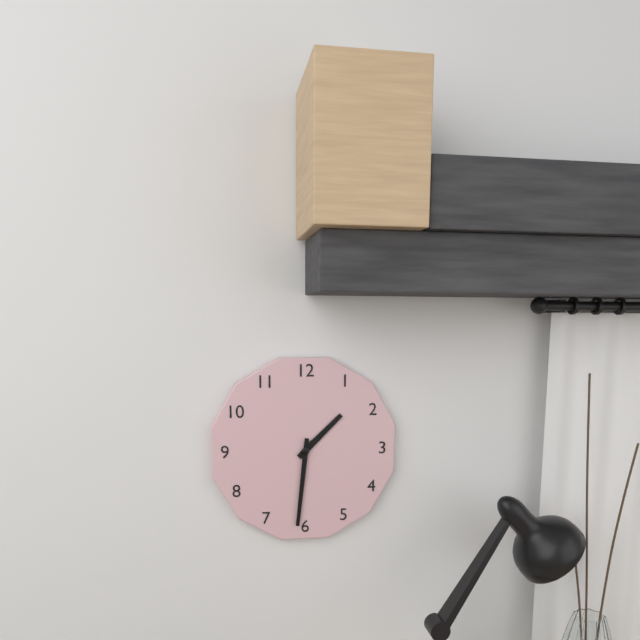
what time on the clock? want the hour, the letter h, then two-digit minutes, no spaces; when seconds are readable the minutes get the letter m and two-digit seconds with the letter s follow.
1h31
